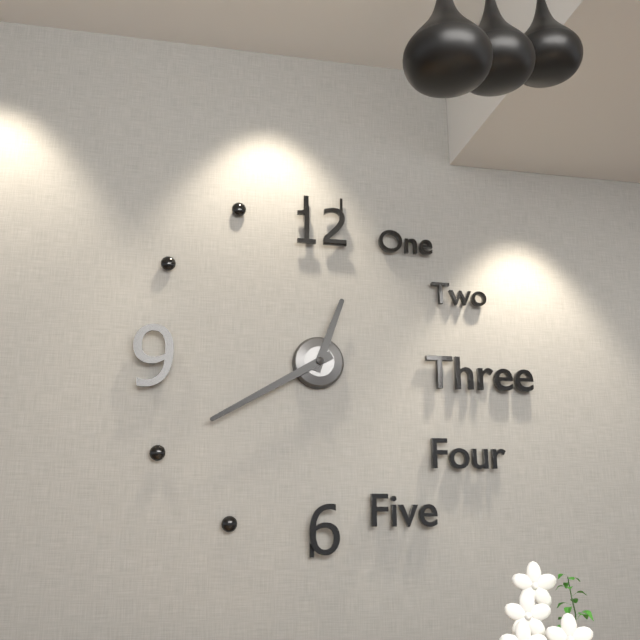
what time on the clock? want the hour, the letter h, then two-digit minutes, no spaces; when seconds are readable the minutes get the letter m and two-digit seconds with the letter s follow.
12h40
